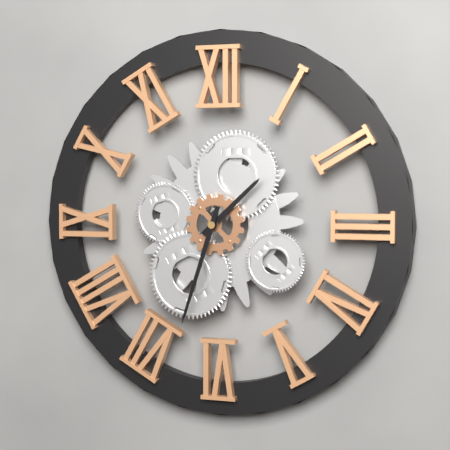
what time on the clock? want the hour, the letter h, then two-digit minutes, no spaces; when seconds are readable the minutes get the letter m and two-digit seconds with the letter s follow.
1h33
